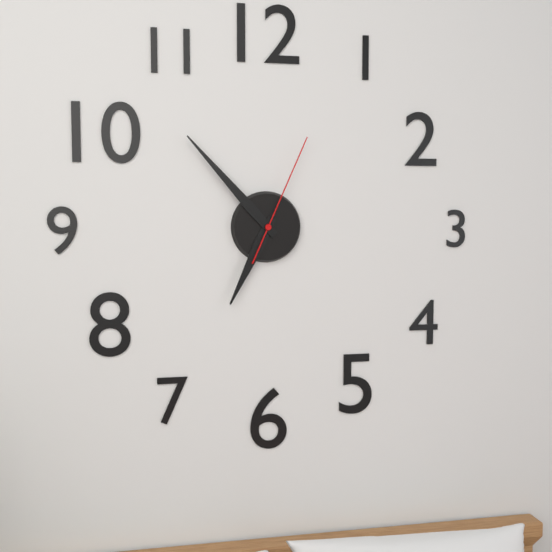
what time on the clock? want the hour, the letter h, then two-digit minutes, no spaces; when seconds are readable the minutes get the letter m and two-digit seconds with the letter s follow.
6h53m04s
